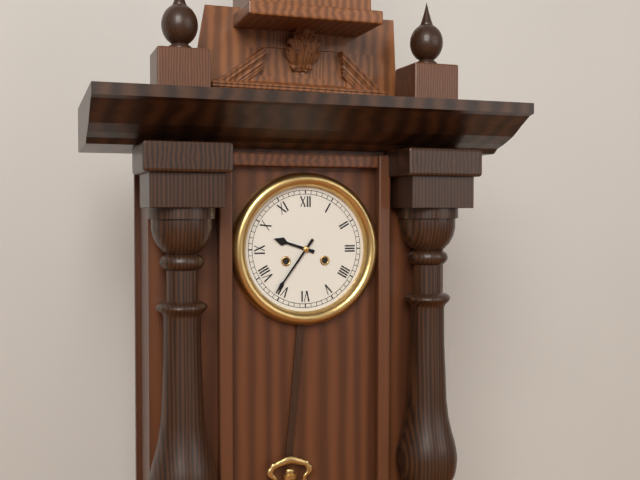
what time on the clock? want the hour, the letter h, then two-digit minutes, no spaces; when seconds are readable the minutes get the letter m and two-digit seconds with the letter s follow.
9h36
